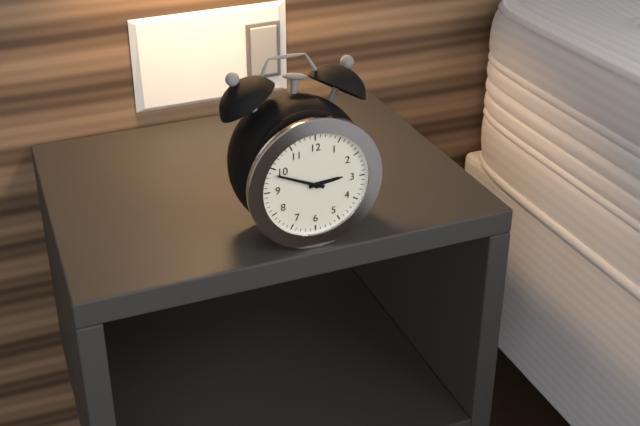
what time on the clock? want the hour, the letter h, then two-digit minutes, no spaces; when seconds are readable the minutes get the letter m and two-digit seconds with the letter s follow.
2h49
